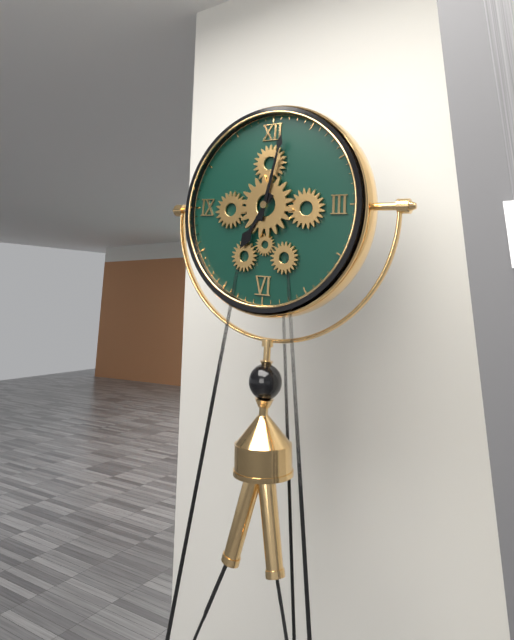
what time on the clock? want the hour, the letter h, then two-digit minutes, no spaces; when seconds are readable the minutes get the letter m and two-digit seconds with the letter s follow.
7h02
